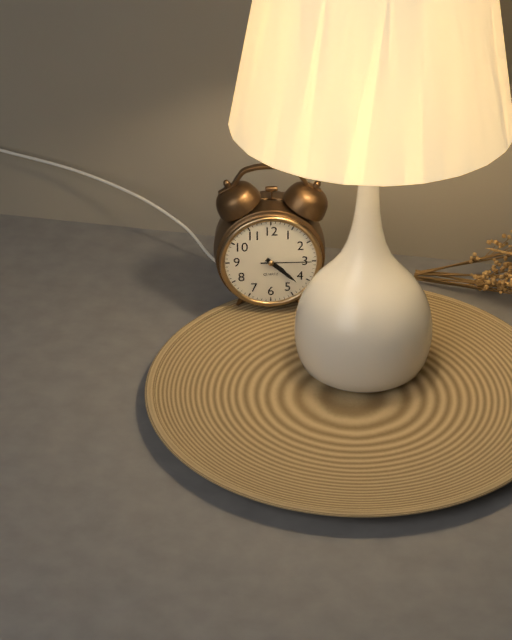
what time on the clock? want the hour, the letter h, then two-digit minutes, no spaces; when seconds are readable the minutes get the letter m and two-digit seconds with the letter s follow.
4h22m15s
